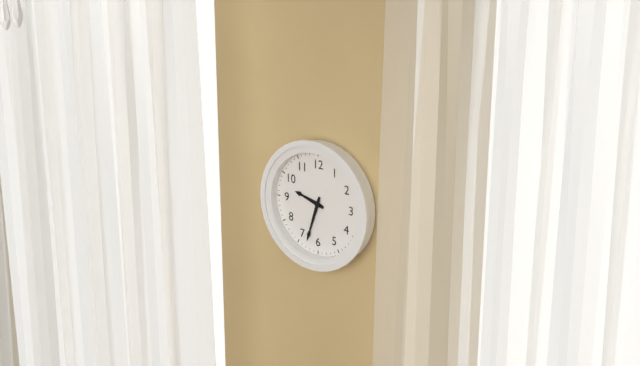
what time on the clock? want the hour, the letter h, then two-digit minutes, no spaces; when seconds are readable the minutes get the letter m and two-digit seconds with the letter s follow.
9h33
